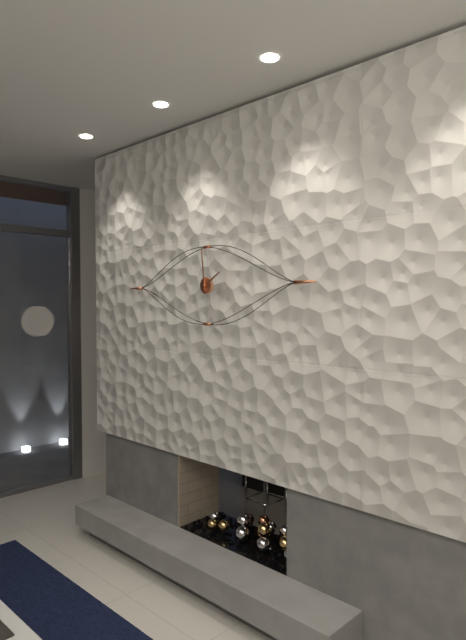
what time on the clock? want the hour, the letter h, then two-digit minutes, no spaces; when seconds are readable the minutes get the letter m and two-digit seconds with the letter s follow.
1h59
